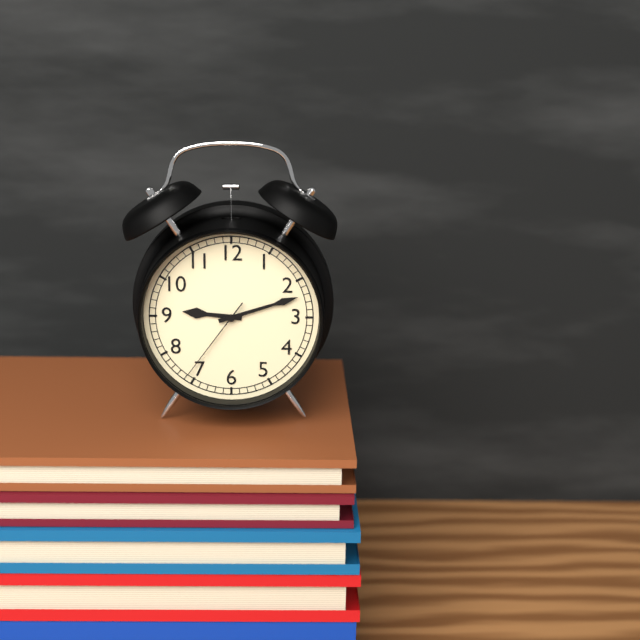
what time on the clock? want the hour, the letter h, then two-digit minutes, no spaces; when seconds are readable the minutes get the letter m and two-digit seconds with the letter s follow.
9h12m36s
